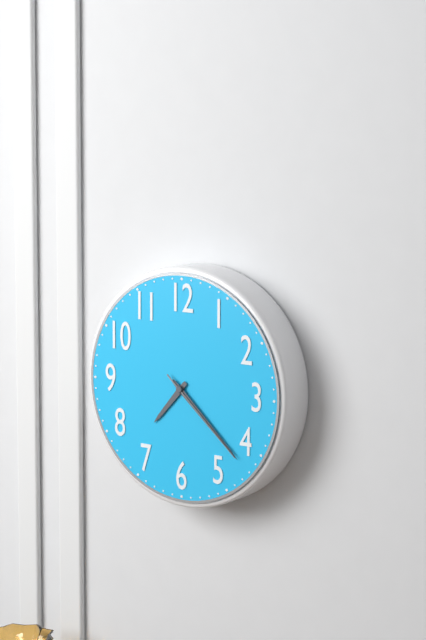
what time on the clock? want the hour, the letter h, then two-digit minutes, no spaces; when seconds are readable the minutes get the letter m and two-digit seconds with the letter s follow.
7h22m22s
